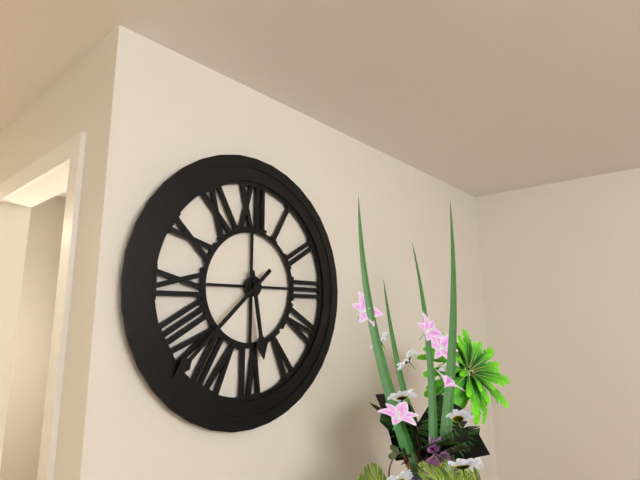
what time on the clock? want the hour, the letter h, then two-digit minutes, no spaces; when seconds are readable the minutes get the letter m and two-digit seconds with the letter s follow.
5h38
